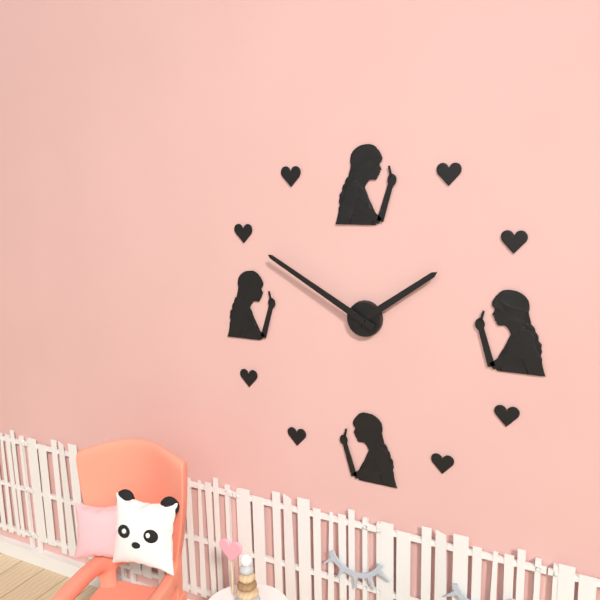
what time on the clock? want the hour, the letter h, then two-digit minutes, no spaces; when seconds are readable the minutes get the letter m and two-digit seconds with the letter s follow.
1h50
